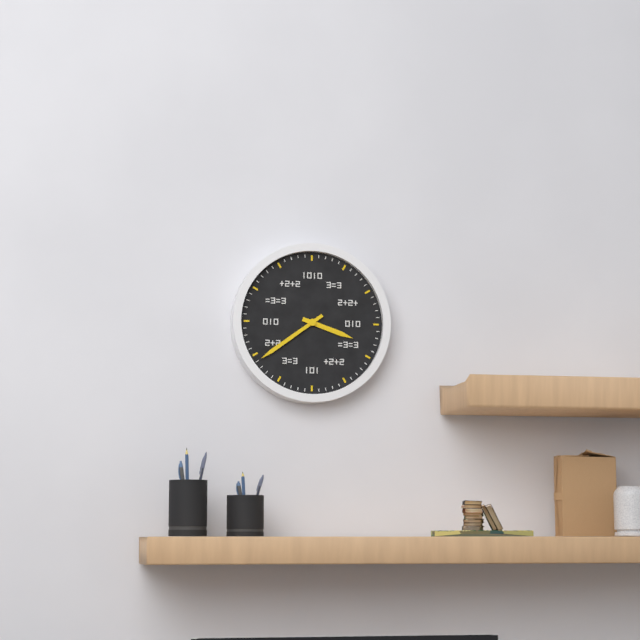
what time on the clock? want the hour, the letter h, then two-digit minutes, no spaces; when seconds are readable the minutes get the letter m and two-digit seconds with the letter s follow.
3h39
